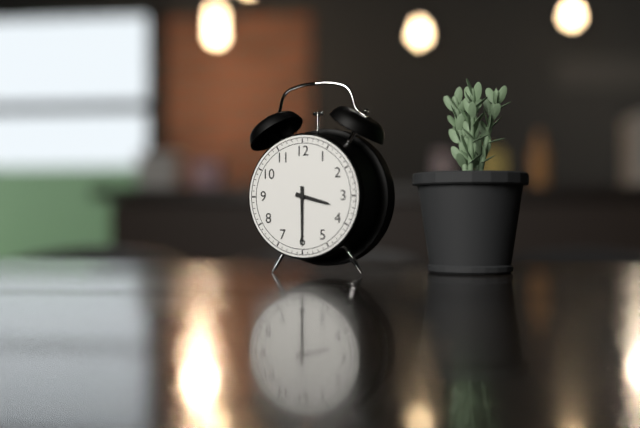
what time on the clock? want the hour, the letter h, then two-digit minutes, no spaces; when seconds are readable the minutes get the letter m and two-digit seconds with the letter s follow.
3h30
